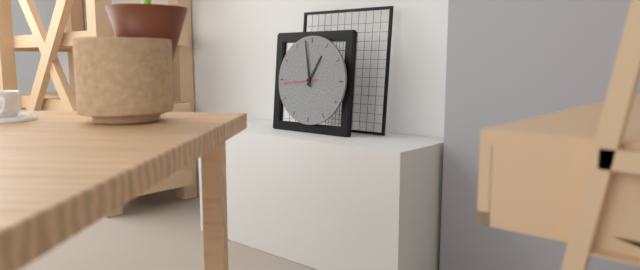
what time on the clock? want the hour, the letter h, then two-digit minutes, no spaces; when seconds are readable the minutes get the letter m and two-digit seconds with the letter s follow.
12h58
